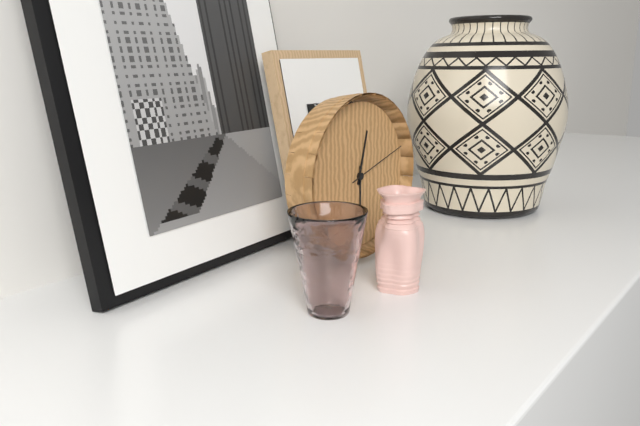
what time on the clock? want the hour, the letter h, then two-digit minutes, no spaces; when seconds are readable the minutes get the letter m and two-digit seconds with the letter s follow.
12h30m12s
